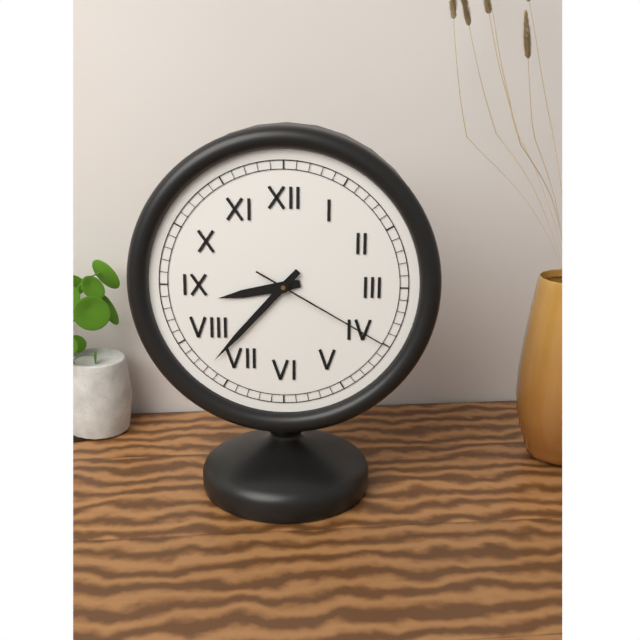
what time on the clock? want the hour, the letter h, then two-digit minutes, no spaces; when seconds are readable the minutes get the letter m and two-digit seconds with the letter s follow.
8h37m20s
